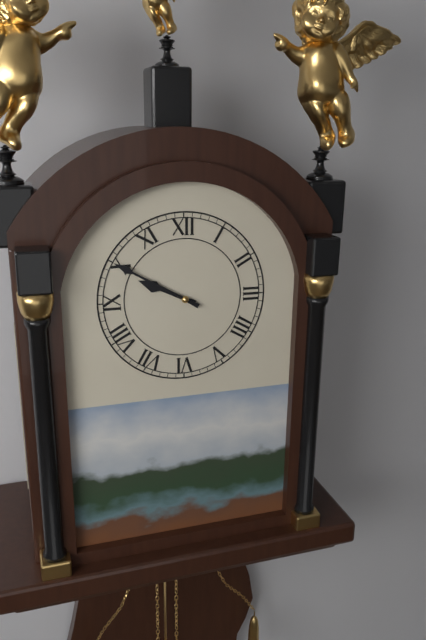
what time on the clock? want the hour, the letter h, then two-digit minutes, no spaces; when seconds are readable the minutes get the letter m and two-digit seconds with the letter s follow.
9h50
